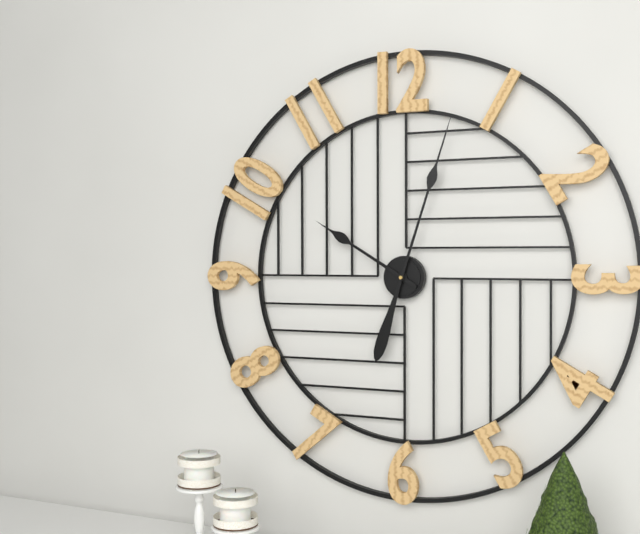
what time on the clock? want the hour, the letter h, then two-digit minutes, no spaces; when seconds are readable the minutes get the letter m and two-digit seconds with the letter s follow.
10h03
